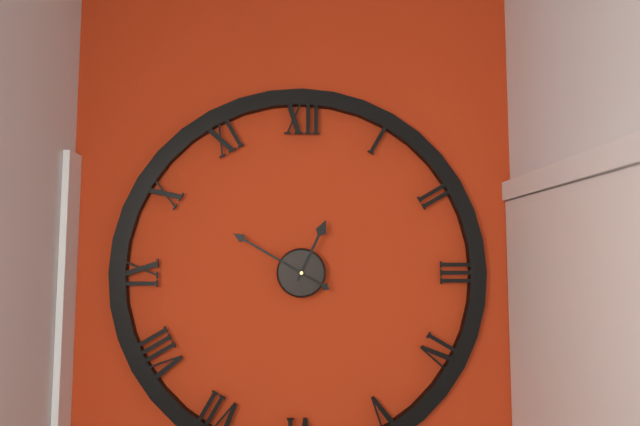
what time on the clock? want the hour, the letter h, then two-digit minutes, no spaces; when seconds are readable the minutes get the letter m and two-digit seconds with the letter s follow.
12h50
